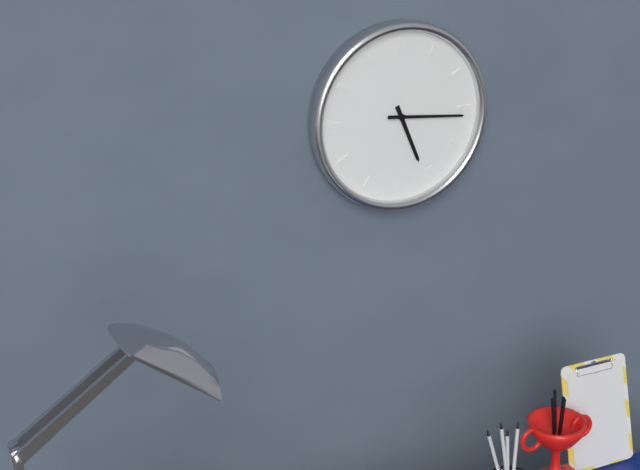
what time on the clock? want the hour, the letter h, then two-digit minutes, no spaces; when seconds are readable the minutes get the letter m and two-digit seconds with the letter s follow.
5h16
